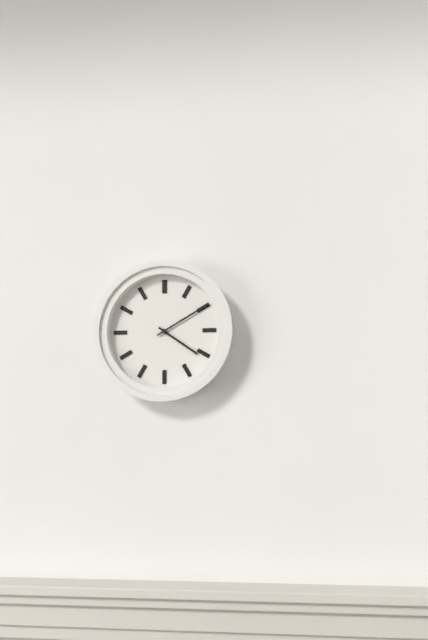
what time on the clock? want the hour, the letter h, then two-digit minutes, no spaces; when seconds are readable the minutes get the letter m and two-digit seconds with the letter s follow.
4h10
